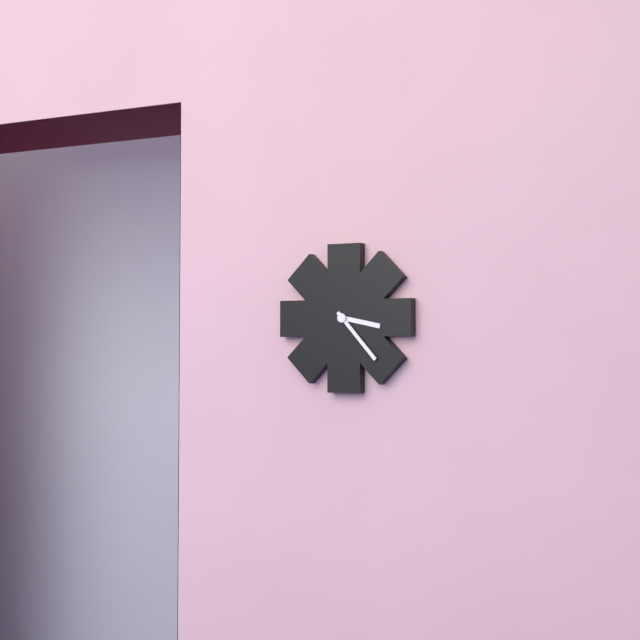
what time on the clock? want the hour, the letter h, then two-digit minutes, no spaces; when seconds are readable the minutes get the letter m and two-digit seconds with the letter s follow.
3h23
